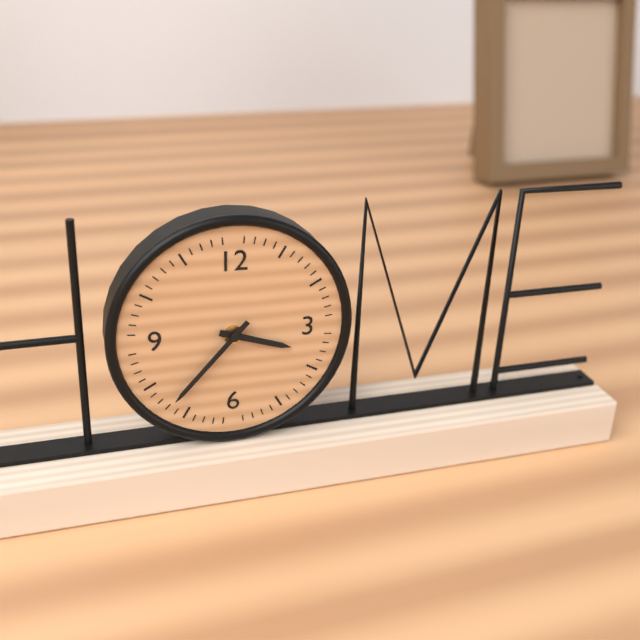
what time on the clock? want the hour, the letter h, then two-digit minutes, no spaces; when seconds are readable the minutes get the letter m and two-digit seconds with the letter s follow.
3h37
